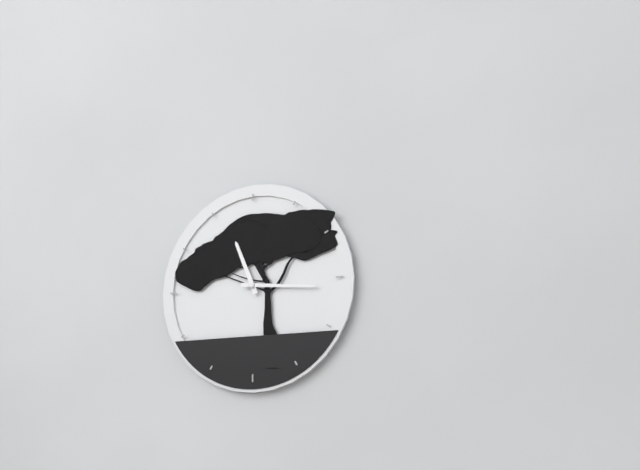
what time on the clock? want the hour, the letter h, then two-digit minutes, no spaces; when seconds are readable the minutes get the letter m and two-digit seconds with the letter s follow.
11h16
